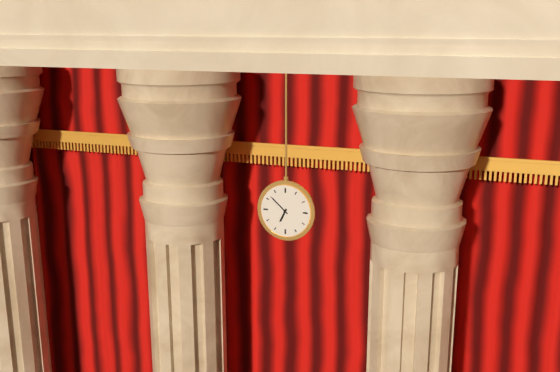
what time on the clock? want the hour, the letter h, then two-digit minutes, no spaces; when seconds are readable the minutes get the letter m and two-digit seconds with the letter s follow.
6h52
